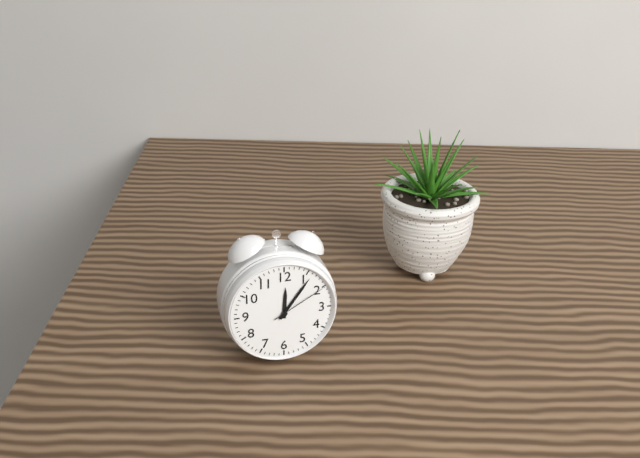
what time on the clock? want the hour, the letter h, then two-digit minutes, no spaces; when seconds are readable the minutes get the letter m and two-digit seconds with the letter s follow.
12h06m10s
